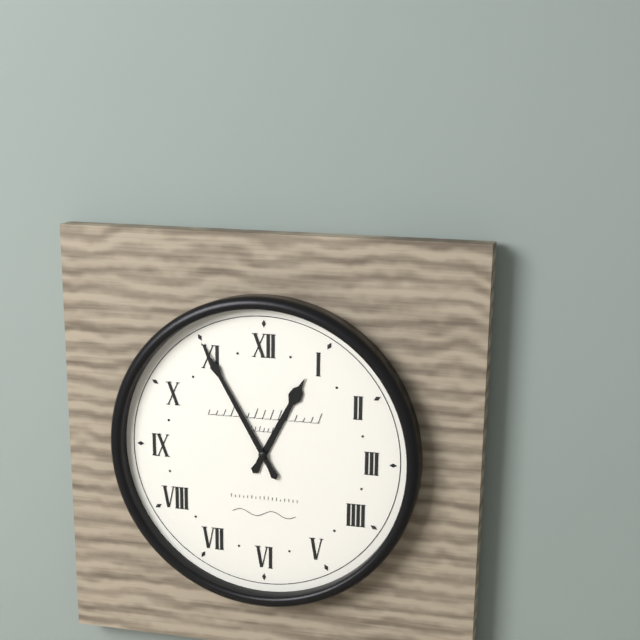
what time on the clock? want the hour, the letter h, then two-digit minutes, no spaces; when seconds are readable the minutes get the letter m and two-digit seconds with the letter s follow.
12h55
